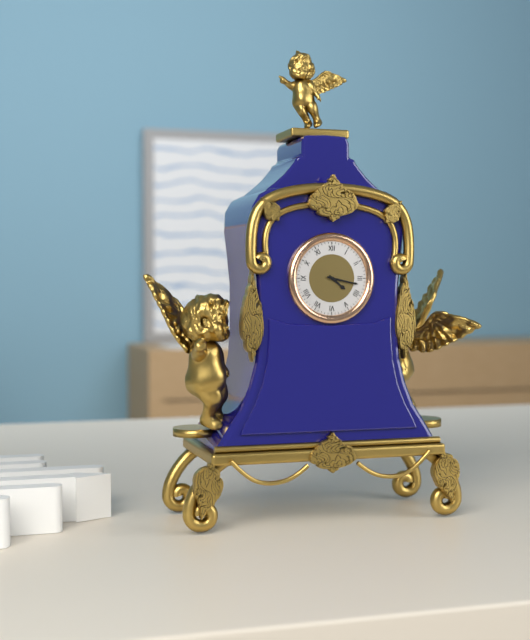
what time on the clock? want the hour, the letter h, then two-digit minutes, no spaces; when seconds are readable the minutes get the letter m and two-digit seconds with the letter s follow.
4h17
